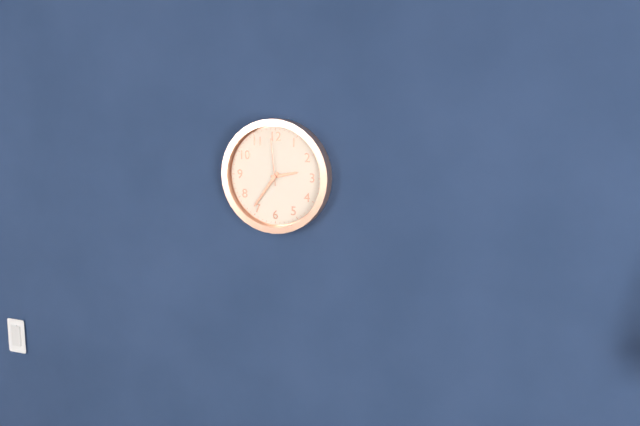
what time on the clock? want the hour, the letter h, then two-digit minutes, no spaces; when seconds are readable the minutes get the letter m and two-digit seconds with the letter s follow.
2h36
